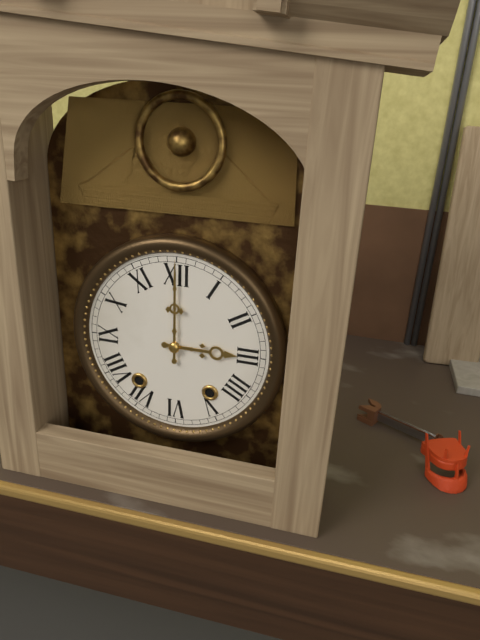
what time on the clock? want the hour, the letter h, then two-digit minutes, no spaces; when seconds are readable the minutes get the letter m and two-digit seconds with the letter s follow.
3h00
